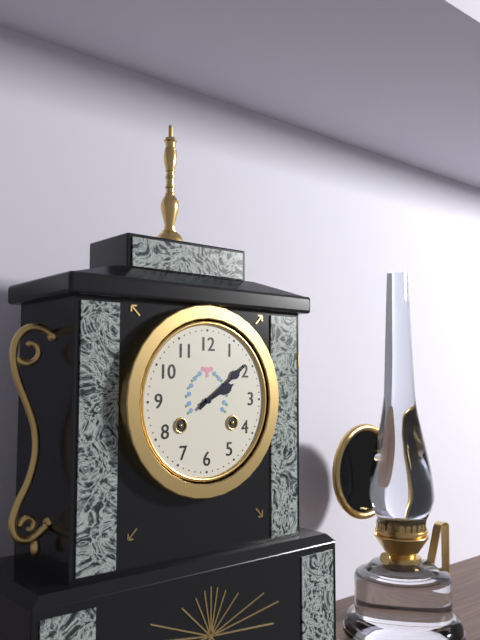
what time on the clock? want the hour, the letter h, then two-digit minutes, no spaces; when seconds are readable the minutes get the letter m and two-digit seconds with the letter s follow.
2h09
